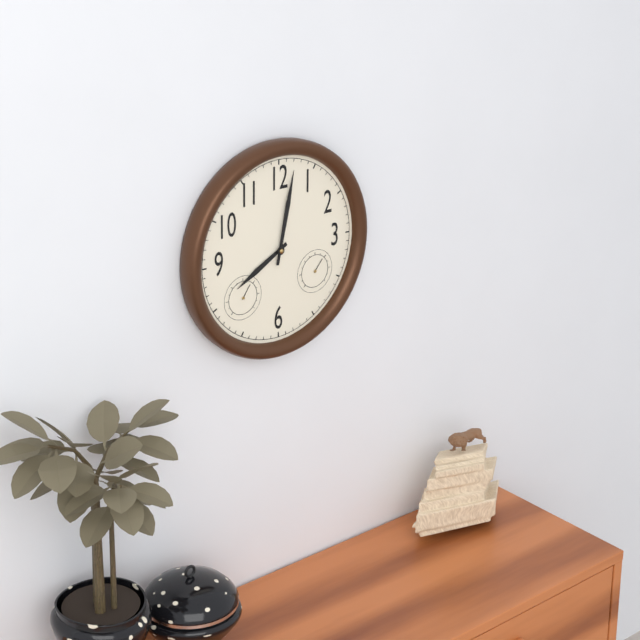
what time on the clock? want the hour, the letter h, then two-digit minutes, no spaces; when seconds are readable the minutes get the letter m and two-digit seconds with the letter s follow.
8h02
